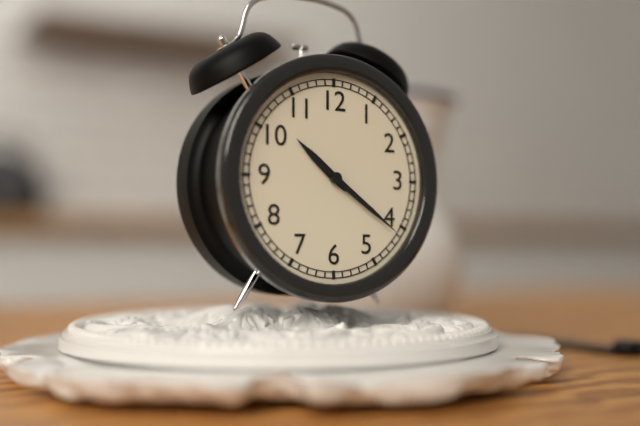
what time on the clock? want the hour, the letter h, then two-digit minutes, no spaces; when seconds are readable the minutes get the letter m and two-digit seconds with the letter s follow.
10h21
